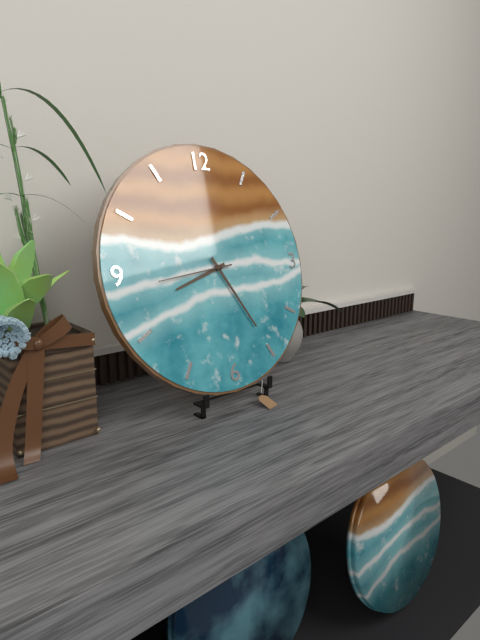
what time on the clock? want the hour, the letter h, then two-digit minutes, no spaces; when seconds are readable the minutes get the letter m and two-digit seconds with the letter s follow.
8h25m44s
